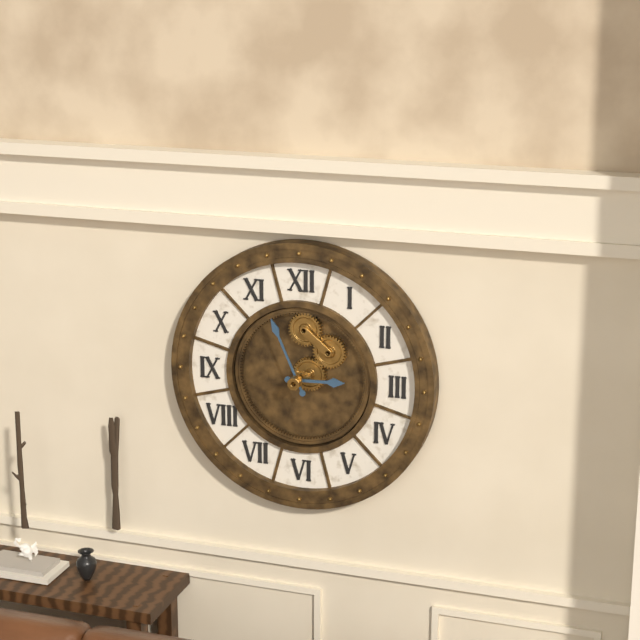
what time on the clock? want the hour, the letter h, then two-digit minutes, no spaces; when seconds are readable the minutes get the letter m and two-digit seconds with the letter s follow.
2h56
